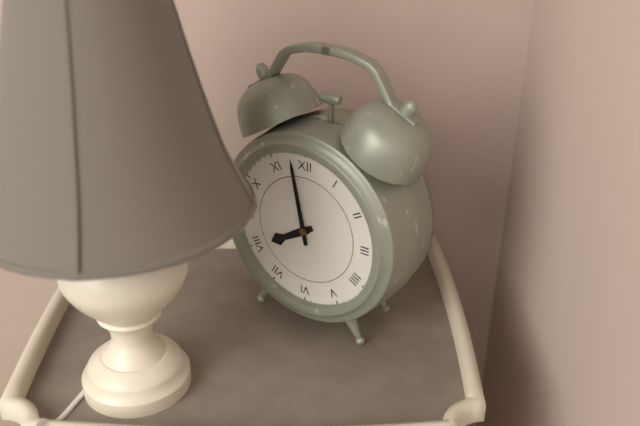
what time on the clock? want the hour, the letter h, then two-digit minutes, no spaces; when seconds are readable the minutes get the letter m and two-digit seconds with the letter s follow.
7h58
